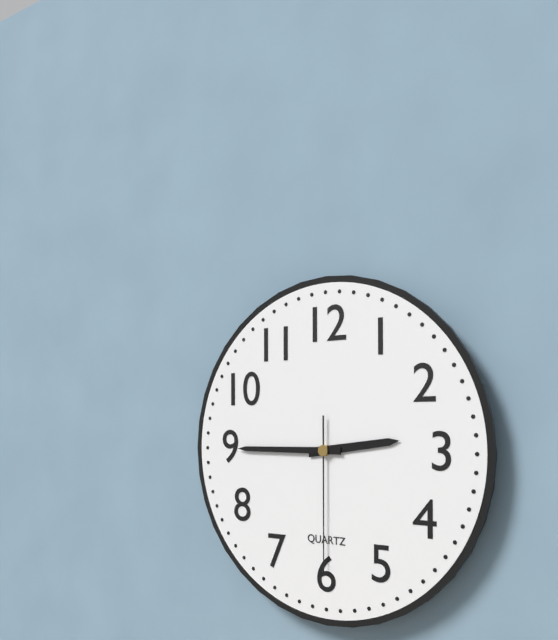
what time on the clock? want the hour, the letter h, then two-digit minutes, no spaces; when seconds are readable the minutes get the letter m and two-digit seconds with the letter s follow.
2h45m30s
